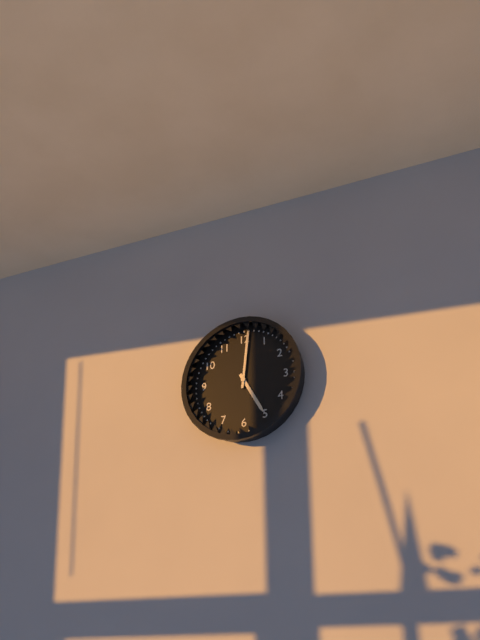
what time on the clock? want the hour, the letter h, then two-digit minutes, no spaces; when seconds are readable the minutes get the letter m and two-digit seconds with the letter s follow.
5h01
